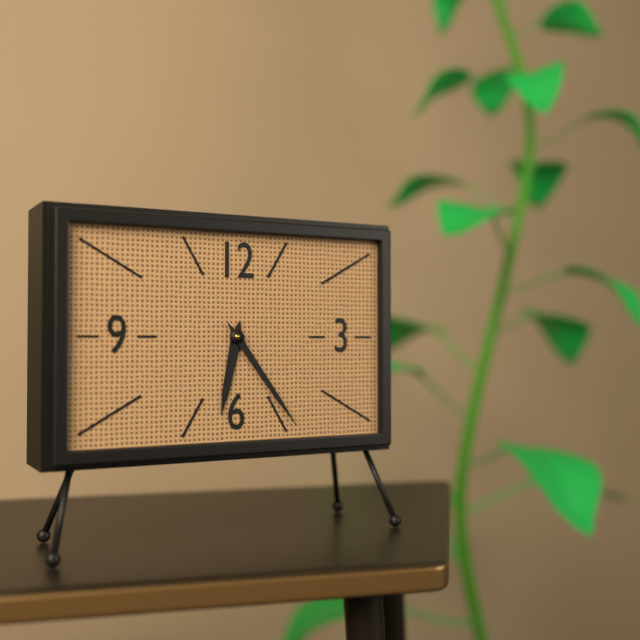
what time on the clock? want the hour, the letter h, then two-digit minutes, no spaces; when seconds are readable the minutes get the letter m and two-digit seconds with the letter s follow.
6h24
